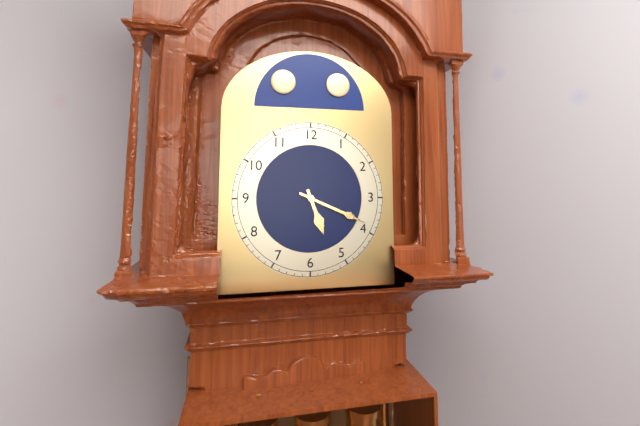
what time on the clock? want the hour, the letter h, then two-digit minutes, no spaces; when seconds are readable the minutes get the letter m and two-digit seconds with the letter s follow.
5h19
